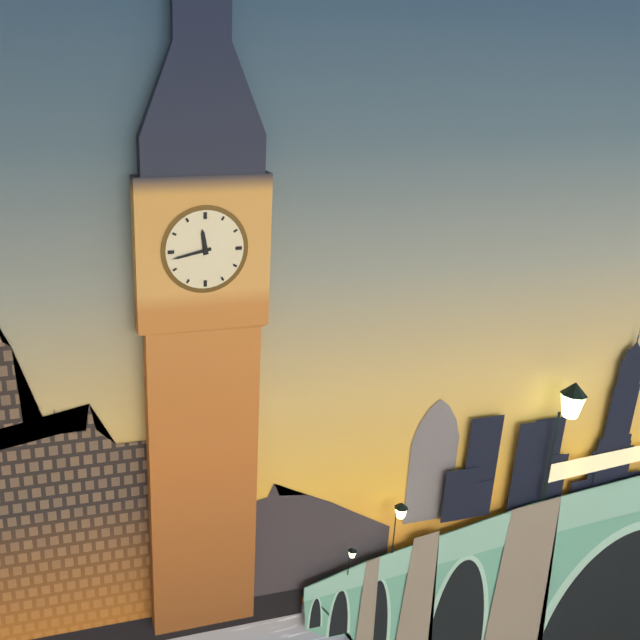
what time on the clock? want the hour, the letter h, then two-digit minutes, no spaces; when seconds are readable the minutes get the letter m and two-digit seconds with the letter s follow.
11h43
